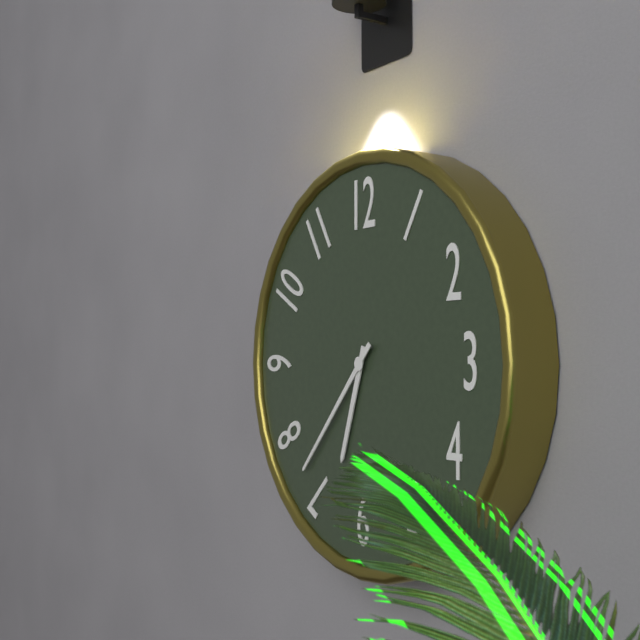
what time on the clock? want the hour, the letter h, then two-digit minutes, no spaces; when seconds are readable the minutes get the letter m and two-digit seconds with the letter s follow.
6h37
